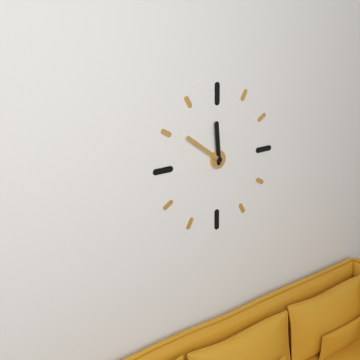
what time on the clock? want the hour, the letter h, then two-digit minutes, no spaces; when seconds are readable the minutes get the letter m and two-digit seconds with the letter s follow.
11h51
